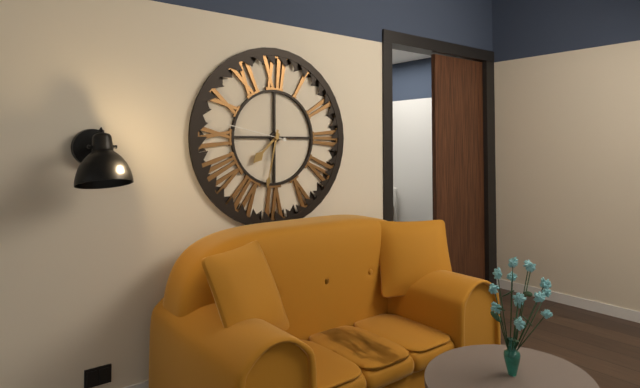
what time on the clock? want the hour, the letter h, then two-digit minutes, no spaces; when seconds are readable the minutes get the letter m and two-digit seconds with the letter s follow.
7h32m47s
